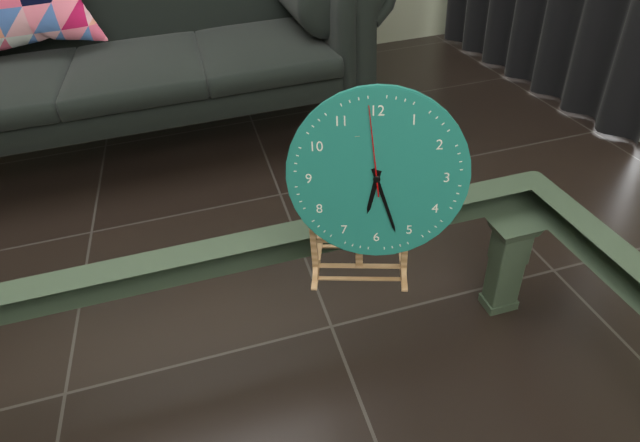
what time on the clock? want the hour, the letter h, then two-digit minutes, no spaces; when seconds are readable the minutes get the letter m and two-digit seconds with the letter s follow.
6h27m59s
